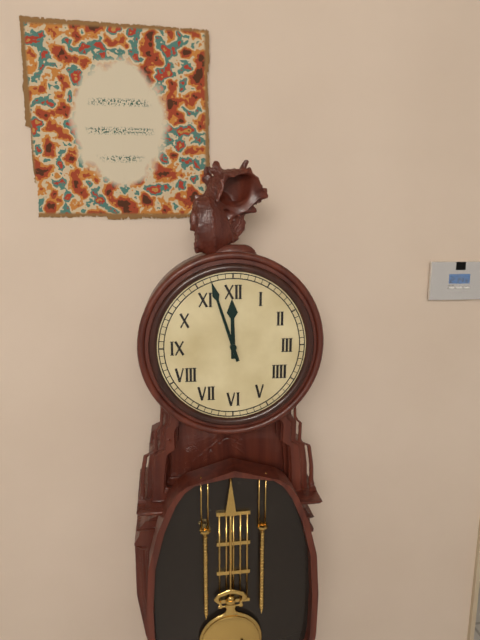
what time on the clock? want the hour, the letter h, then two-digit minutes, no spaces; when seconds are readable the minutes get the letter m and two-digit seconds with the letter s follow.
11h57
